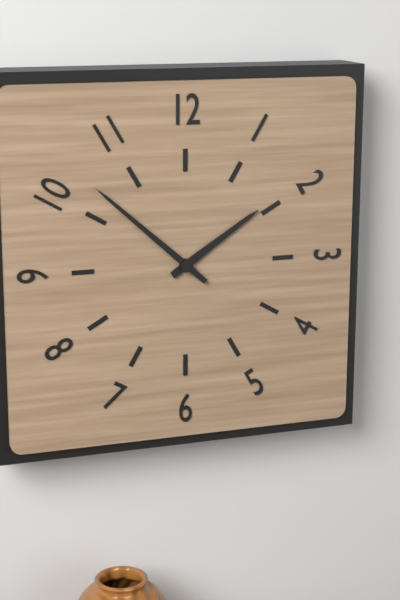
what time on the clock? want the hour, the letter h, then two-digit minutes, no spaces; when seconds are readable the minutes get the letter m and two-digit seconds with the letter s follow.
1h52
